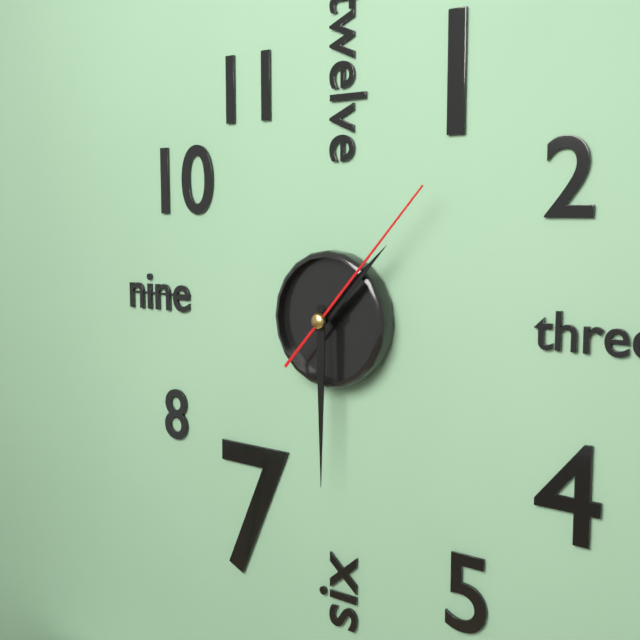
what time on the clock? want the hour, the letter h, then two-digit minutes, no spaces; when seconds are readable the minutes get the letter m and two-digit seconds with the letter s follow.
1h30m07s
